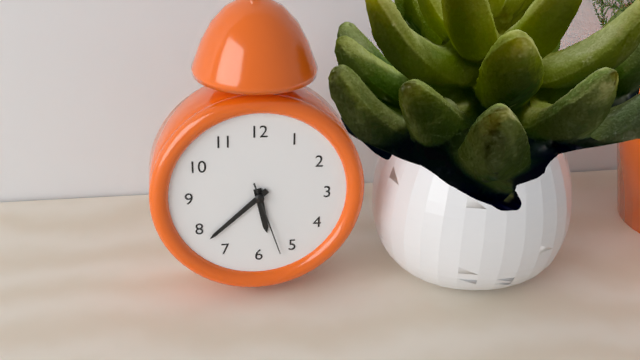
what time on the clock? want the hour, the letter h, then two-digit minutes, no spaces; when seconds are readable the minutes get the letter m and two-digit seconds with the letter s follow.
5h38m27s
